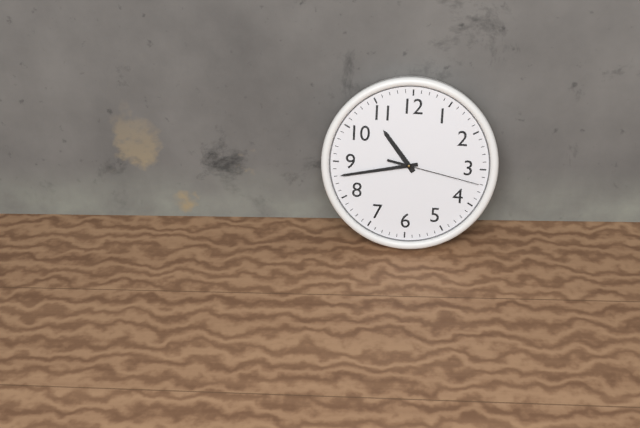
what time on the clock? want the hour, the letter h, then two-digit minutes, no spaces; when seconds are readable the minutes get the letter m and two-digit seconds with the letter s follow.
10h43m17s
